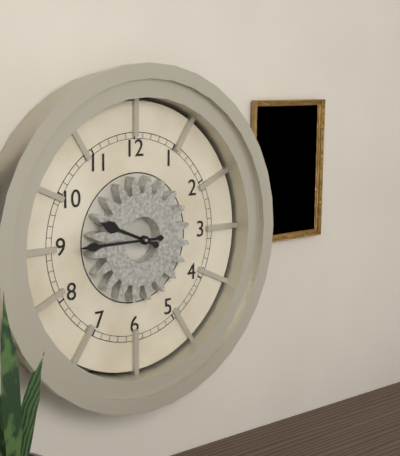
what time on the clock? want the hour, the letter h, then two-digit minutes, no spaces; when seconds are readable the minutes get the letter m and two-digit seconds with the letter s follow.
9h45
